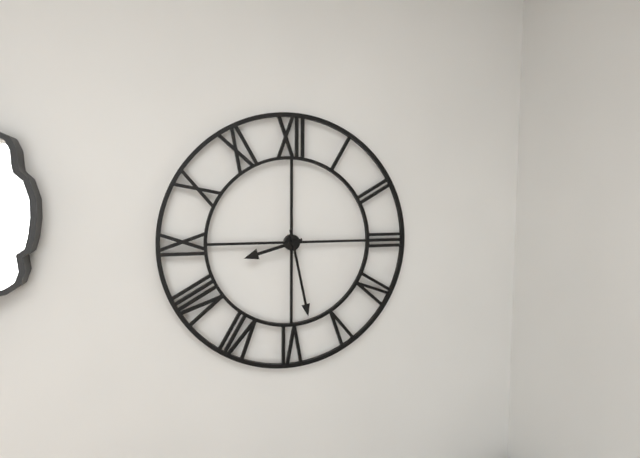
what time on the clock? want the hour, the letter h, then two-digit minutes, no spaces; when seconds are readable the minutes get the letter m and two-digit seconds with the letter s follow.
8h28
